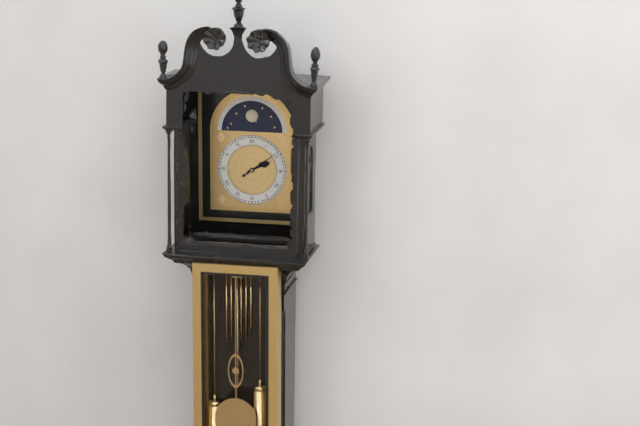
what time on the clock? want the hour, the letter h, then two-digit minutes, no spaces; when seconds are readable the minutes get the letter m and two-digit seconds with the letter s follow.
2h09
